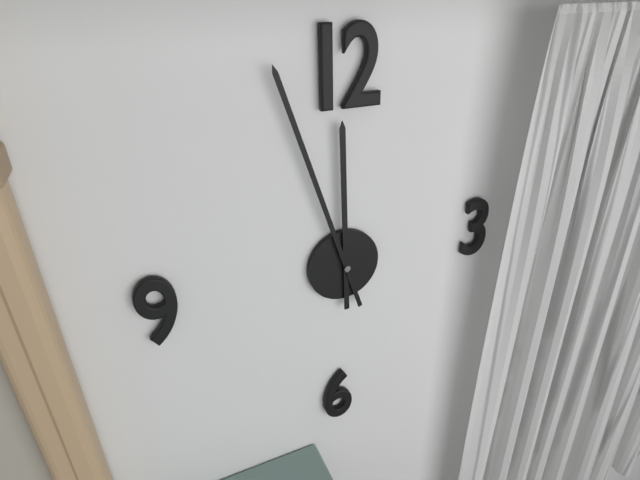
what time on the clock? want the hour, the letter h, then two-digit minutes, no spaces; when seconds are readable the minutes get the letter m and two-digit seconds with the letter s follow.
11h57
